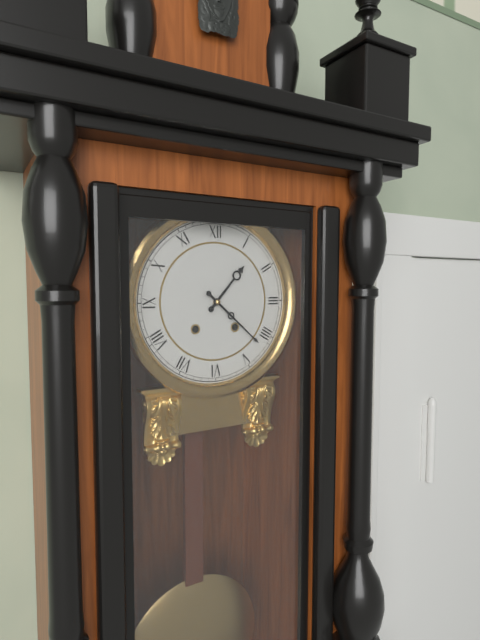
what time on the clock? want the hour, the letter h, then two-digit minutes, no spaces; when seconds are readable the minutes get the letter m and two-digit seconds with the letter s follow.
1h22
